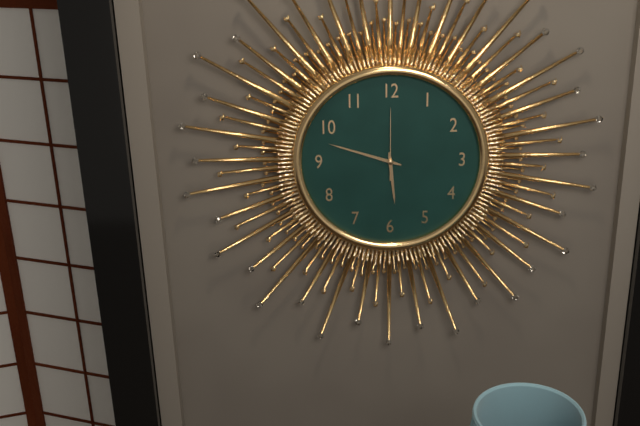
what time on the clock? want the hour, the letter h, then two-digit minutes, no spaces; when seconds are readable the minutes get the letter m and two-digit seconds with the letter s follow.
5h48m00s
